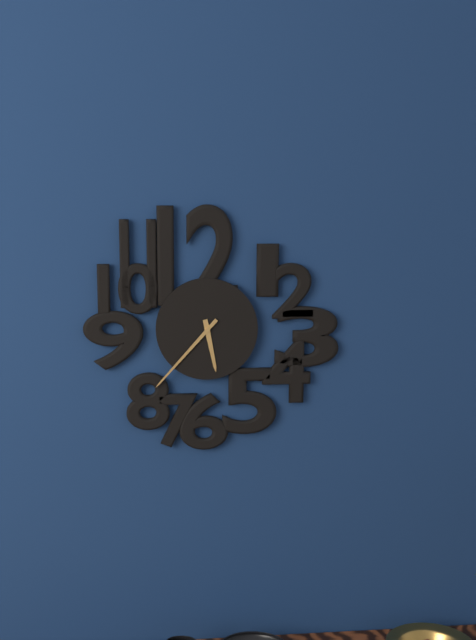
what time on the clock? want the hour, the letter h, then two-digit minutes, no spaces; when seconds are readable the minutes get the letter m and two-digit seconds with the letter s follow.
5h37
